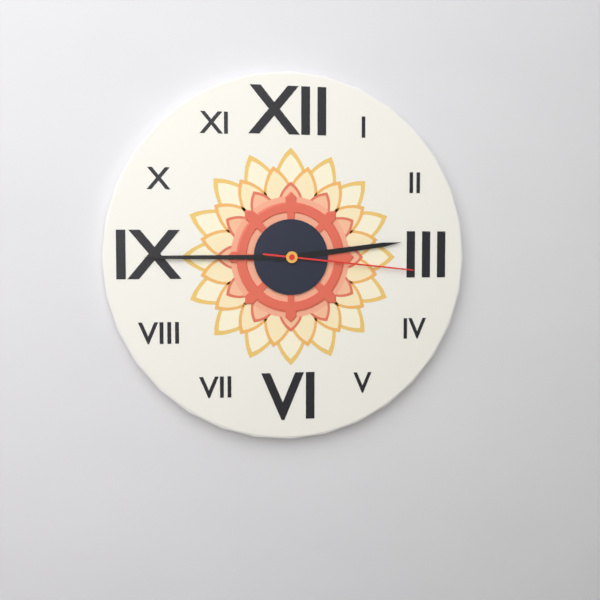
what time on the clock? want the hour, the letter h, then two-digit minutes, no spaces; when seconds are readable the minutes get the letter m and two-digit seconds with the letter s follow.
2h45m16s
